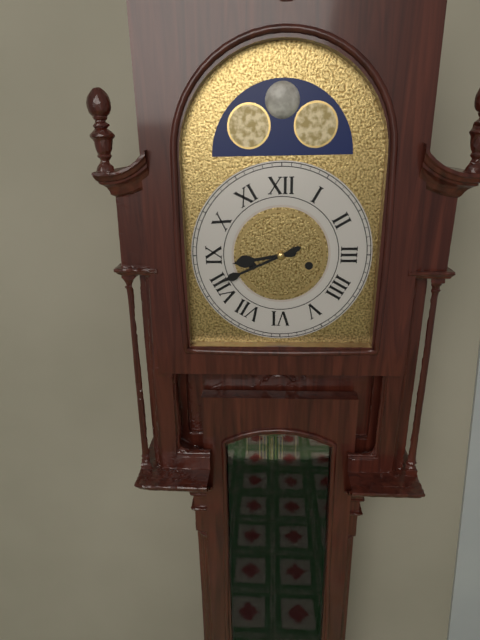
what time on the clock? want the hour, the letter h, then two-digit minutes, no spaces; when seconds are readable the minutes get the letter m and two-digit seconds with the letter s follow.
8h41
